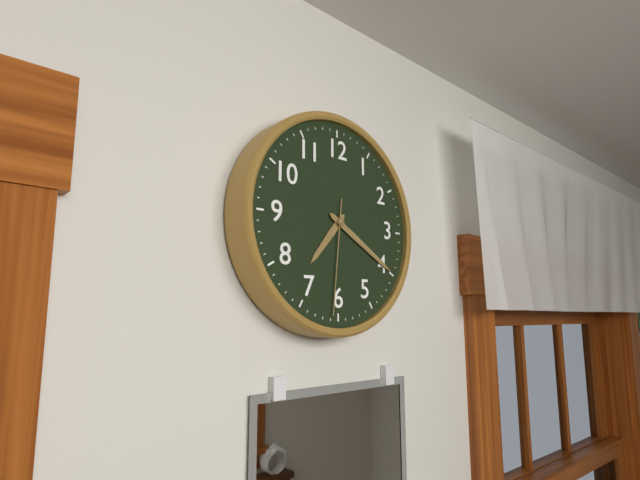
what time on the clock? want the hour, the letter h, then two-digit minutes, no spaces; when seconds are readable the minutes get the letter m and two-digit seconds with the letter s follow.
7h20m31s
